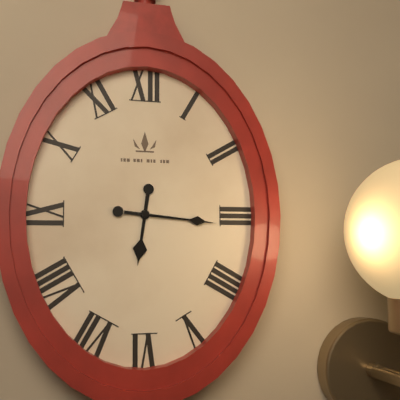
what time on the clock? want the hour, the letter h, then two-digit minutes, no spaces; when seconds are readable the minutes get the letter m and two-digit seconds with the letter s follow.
6h16
